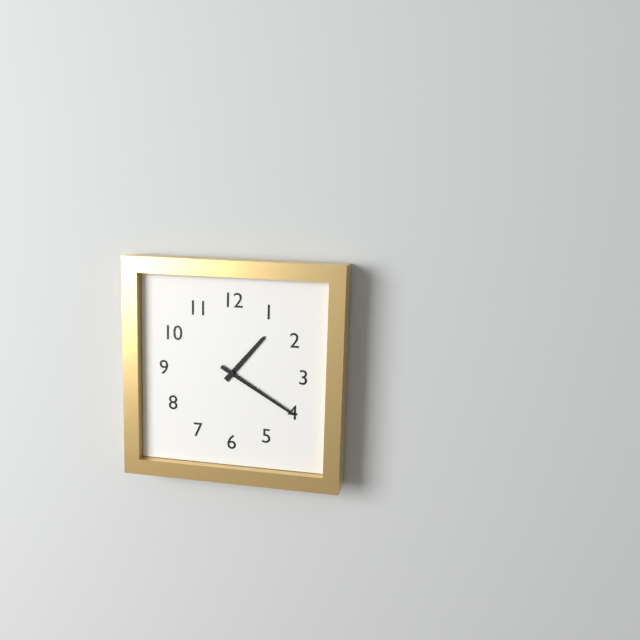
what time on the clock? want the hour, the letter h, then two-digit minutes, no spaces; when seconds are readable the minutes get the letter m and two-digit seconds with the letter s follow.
1h20
